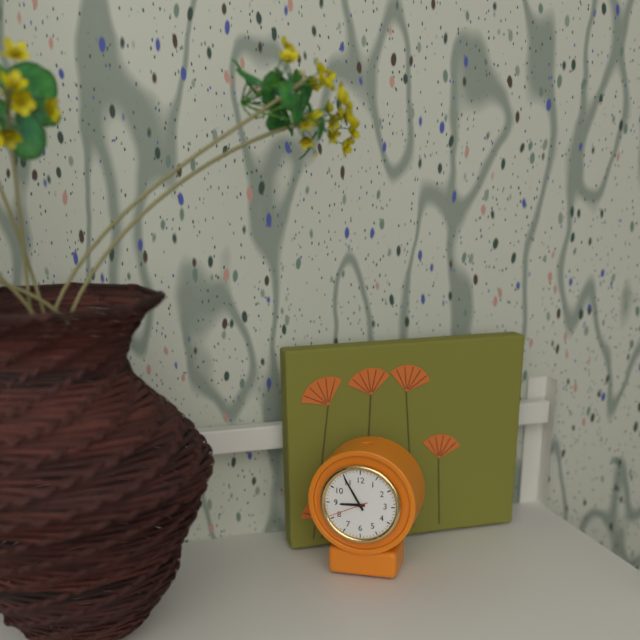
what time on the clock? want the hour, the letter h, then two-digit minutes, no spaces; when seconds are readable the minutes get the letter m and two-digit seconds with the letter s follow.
8h55
